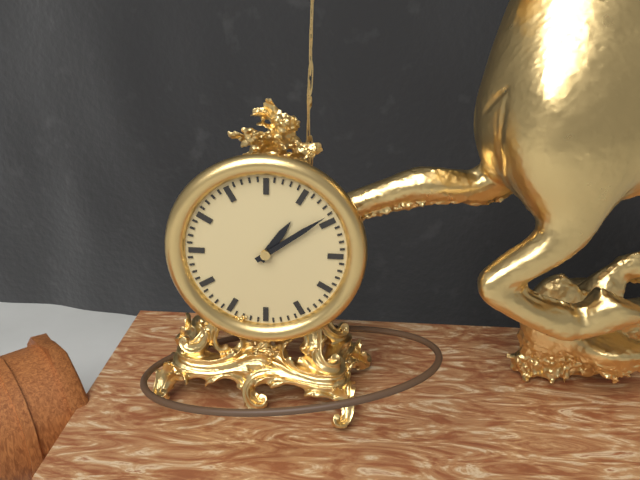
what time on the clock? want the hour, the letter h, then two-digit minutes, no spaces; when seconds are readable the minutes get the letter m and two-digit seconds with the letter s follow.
1h09
